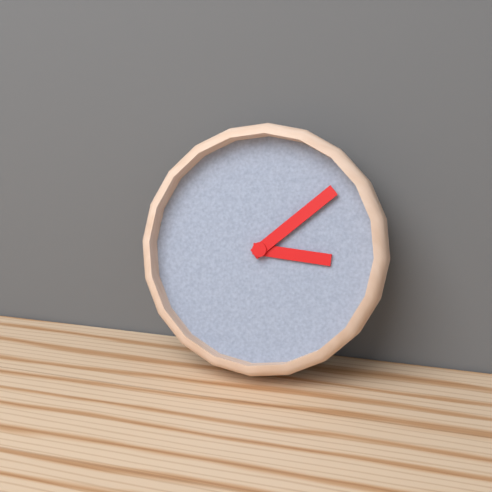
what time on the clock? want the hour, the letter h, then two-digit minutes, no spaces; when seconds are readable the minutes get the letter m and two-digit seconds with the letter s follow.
3h08
